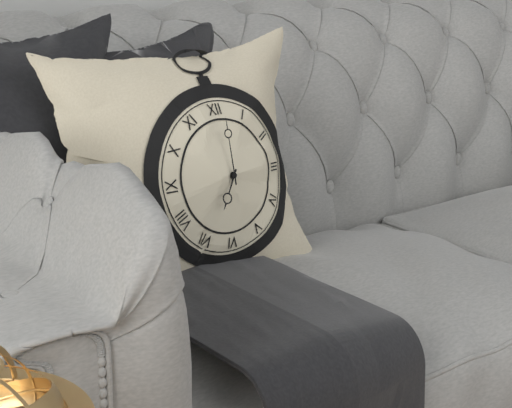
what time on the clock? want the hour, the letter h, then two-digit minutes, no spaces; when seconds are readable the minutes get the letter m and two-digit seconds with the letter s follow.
7h00
